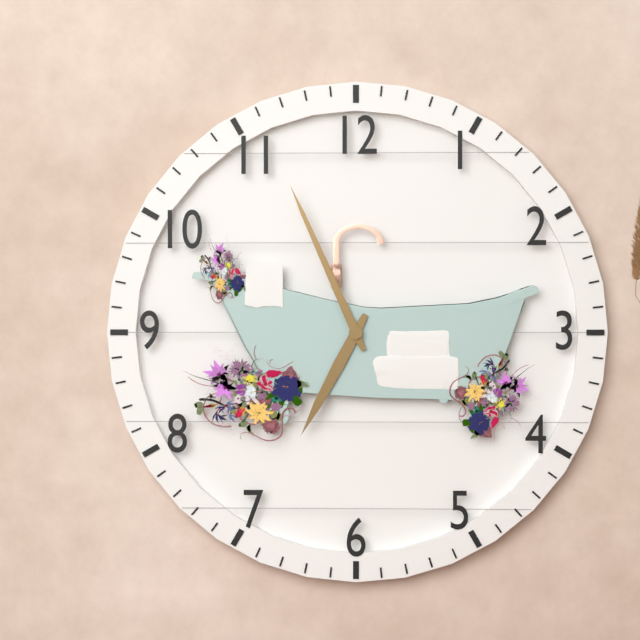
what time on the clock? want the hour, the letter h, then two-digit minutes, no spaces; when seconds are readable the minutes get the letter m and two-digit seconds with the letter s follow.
6h56
